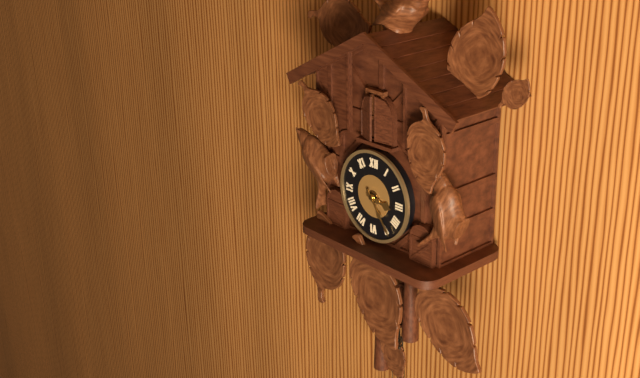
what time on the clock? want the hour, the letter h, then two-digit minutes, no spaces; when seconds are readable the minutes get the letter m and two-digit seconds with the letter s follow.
3h24
